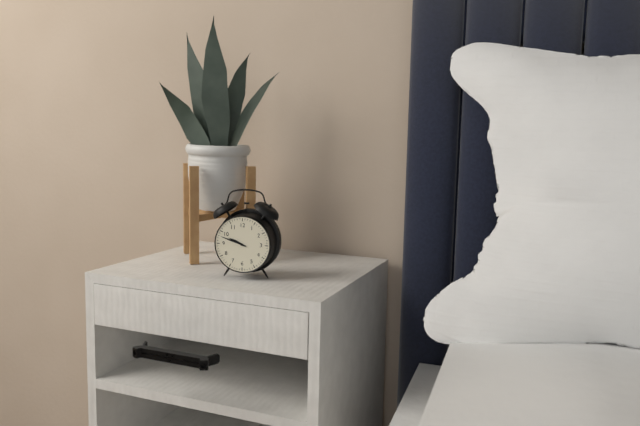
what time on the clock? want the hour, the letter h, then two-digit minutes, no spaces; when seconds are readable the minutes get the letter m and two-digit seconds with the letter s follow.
9h48
